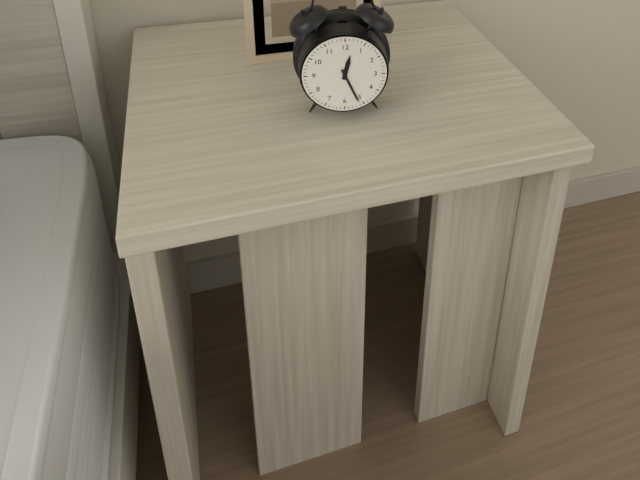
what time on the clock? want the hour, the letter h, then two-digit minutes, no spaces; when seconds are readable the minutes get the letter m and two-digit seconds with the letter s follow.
12h26
